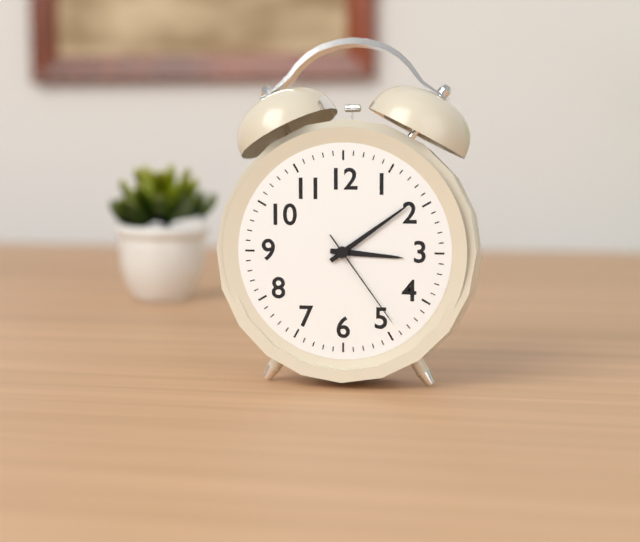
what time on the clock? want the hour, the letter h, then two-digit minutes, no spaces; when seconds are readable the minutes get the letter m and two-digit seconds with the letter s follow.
3h09m24s
